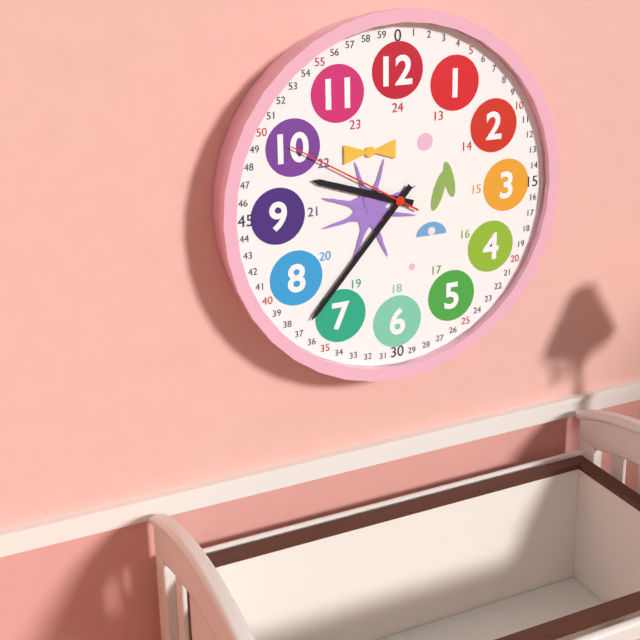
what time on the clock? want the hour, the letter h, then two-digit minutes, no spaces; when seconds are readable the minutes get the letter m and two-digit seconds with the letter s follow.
9h37m50s
